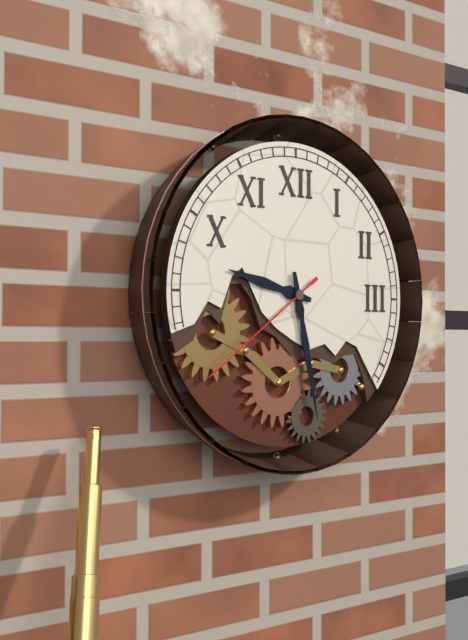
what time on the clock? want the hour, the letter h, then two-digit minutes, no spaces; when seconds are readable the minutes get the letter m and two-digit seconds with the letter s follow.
9h28m39s
